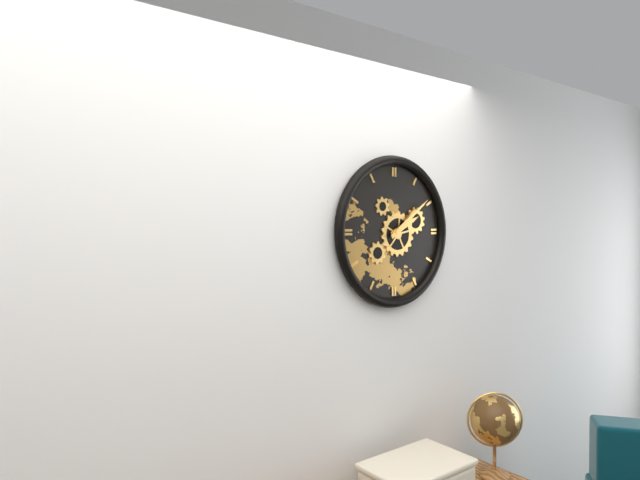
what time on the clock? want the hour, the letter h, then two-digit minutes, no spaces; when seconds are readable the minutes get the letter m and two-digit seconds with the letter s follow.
2h09
